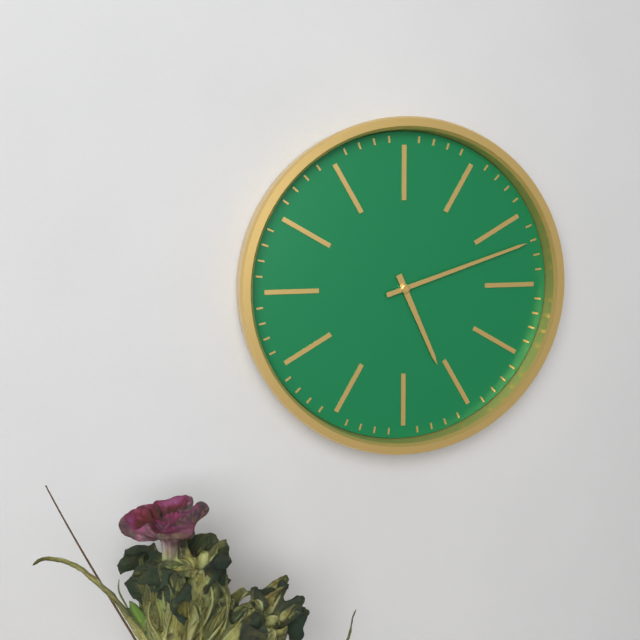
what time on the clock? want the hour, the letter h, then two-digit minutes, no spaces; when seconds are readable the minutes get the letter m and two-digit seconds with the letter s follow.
5h12
